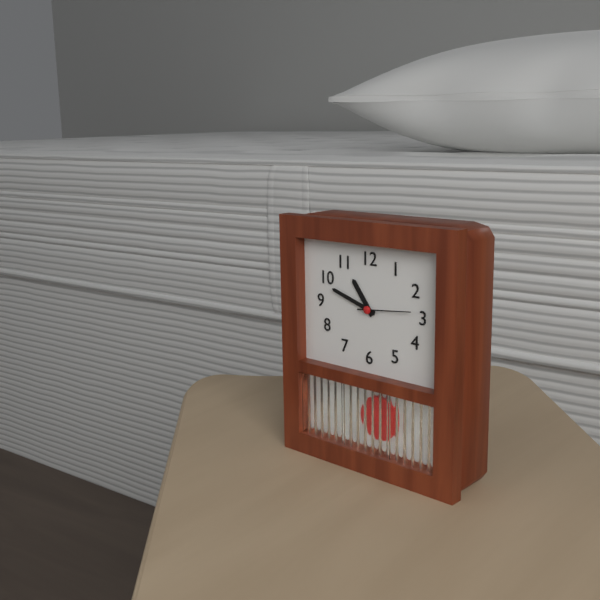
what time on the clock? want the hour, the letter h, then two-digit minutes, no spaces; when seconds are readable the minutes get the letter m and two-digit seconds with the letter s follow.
10h48m14s
